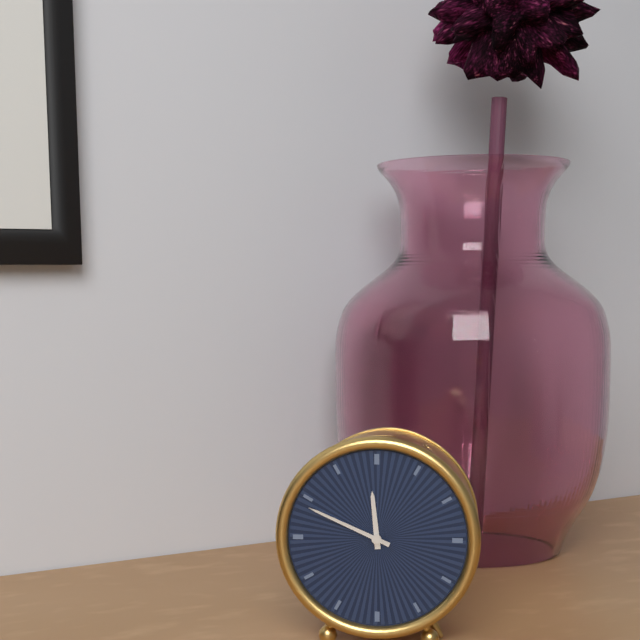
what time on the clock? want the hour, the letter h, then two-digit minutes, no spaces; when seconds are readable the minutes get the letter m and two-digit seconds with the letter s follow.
11h49
